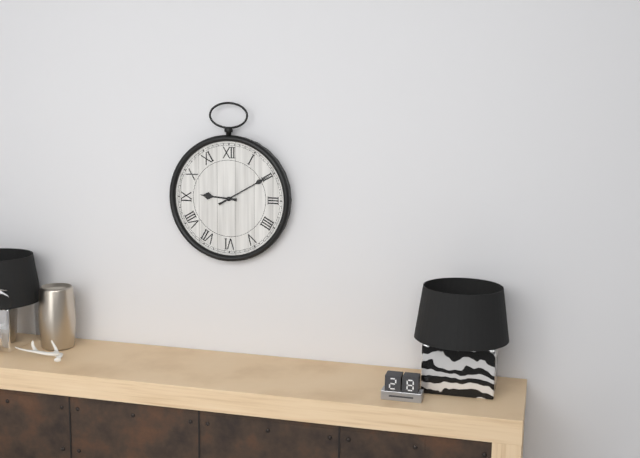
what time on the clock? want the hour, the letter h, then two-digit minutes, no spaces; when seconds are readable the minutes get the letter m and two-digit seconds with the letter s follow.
9h10
